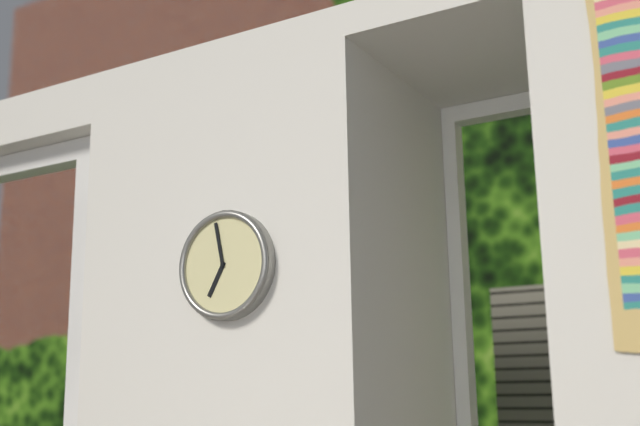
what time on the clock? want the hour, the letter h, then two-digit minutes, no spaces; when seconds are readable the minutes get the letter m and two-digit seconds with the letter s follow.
6h58
